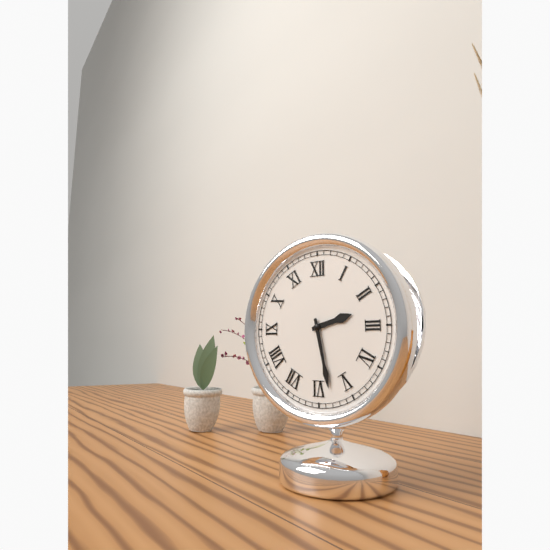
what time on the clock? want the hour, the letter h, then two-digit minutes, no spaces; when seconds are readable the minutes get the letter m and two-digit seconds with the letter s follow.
2h28
